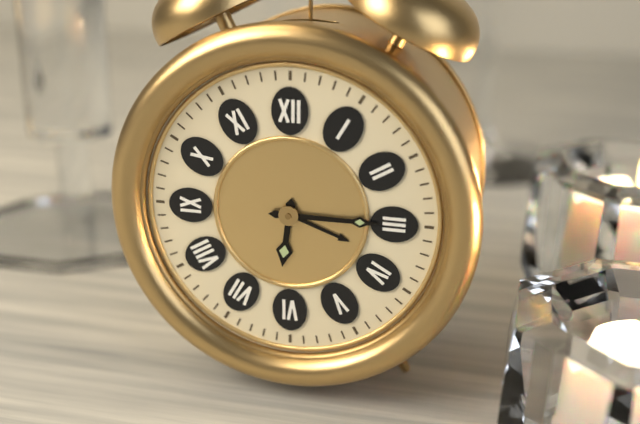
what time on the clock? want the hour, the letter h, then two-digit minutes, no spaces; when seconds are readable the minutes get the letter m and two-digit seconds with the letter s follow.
6h15
